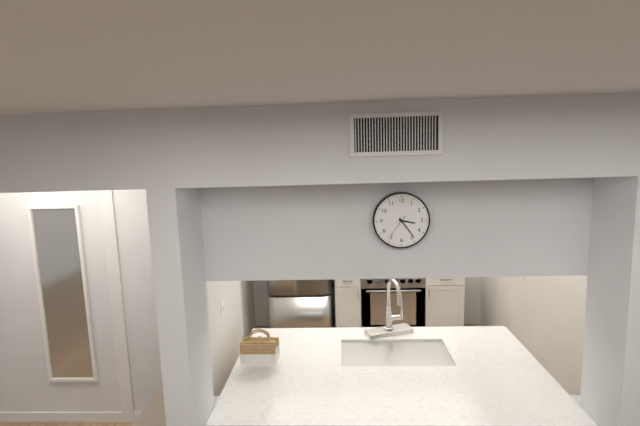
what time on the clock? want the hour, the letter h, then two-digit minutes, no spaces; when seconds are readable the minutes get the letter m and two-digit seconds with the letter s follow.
3h24
